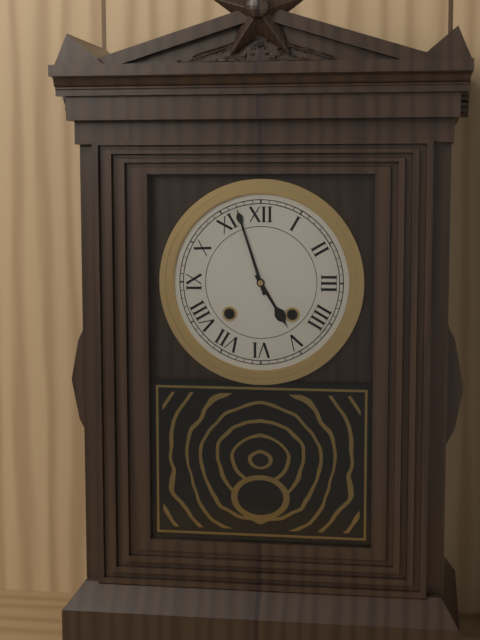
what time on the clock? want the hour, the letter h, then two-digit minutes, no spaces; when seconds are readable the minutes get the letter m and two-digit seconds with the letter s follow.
4h57
